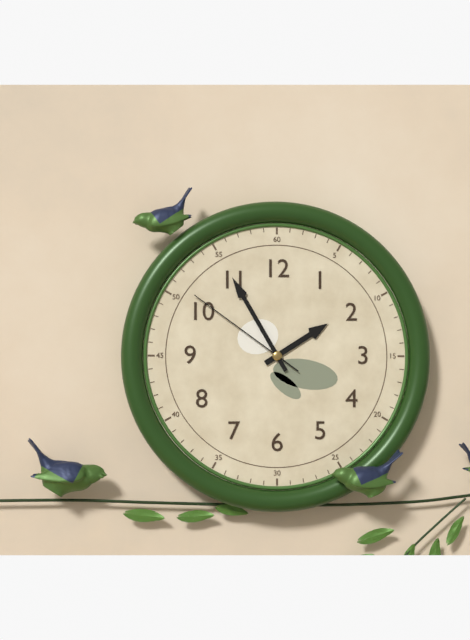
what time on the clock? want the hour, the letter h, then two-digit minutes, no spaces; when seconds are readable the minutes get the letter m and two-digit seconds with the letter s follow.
1h55m51s
